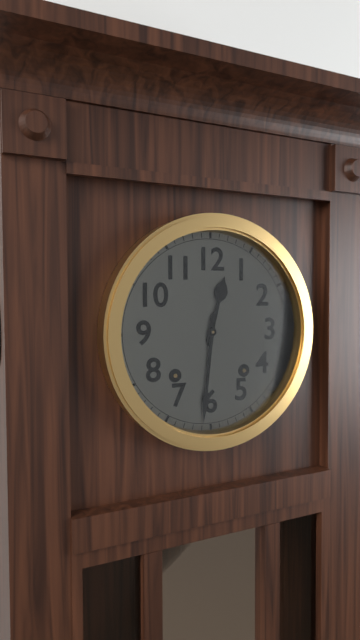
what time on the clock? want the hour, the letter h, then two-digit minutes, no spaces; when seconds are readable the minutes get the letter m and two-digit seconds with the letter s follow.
12h31
